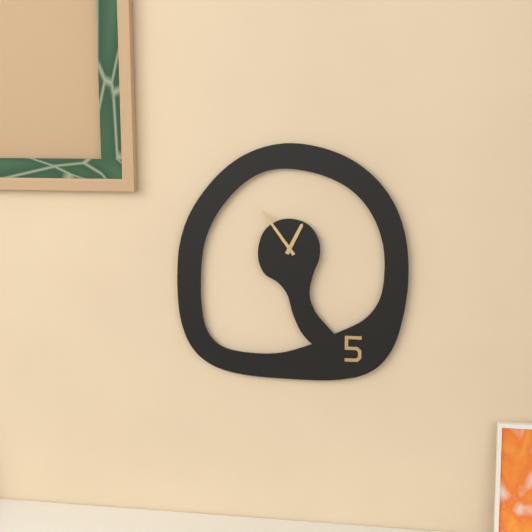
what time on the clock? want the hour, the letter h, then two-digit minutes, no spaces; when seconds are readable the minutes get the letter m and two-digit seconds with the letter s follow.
12h54
